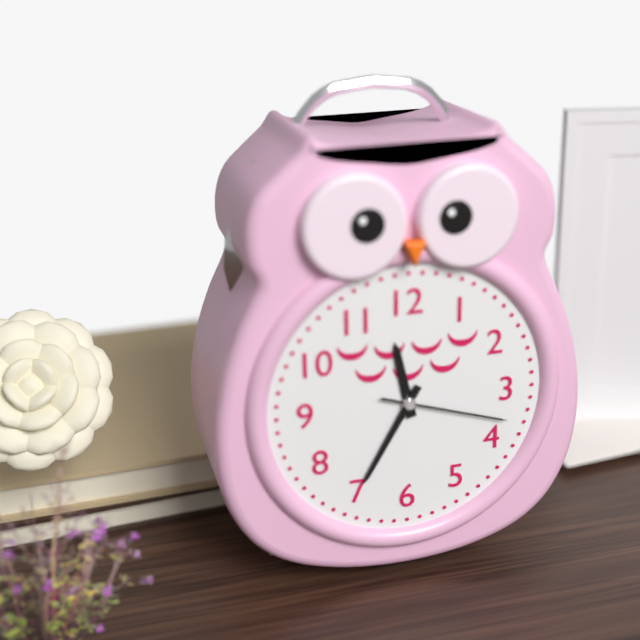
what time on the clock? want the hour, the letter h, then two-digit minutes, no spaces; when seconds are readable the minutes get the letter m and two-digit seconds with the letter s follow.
11h35m18s
